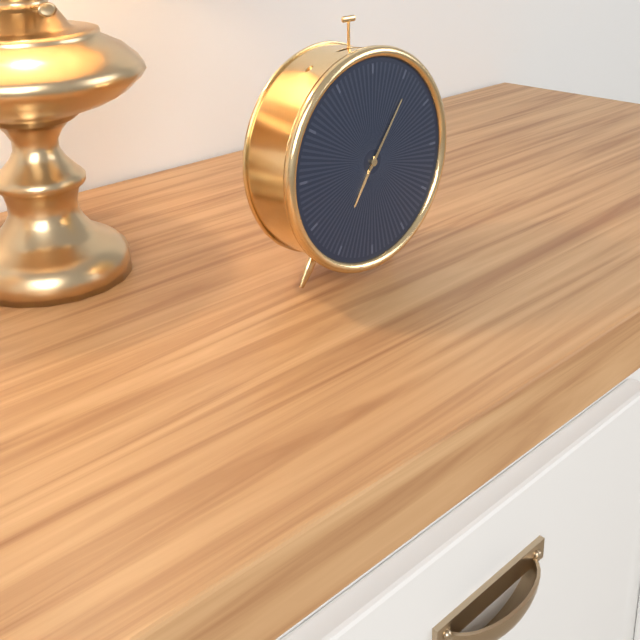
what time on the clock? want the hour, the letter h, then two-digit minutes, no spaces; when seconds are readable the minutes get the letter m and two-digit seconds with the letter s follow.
7h06
